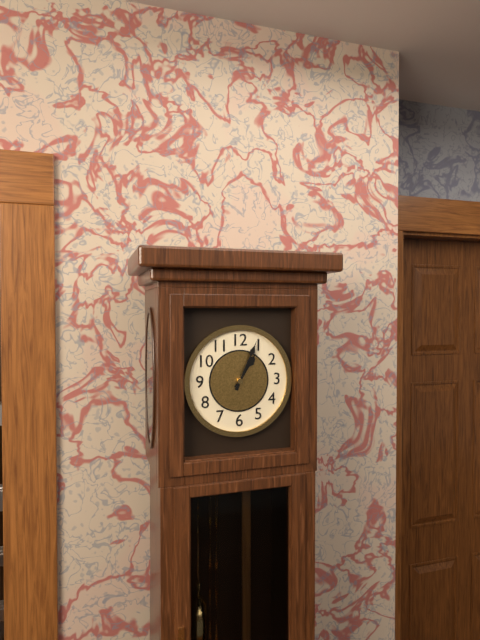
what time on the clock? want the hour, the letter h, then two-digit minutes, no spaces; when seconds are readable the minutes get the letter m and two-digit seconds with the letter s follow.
1h04
